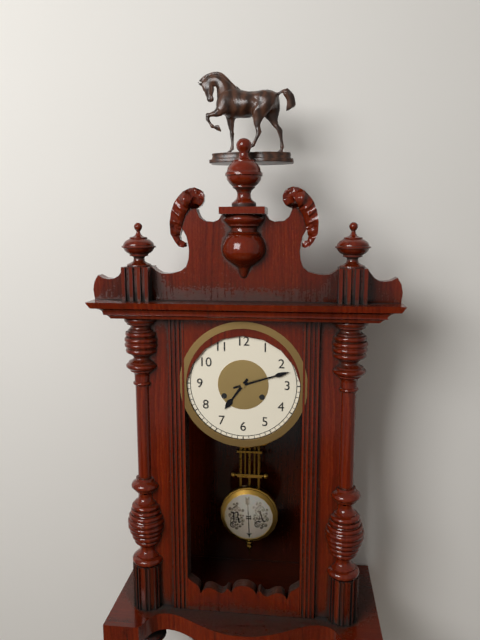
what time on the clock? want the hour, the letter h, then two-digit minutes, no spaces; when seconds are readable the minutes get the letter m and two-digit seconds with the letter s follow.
7h12
